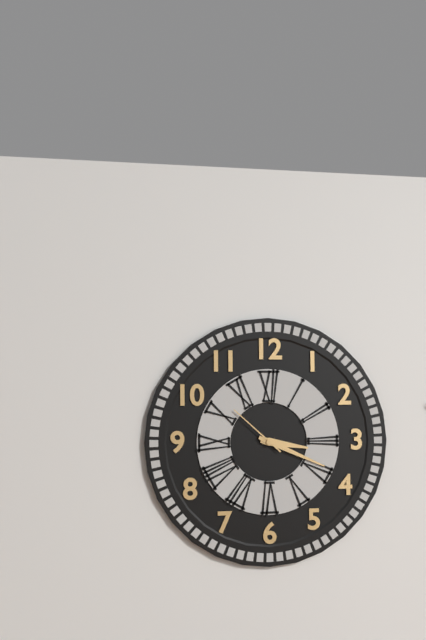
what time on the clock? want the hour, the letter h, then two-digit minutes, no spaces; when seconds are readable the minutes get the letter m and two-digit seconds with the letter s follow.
3h19m52s
